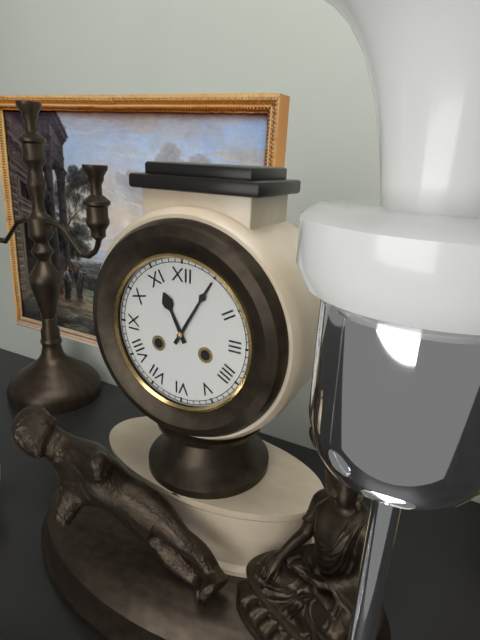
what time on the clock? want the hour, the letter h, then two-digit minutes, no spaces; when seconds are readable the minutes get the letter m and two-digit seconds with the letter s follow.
11h05
